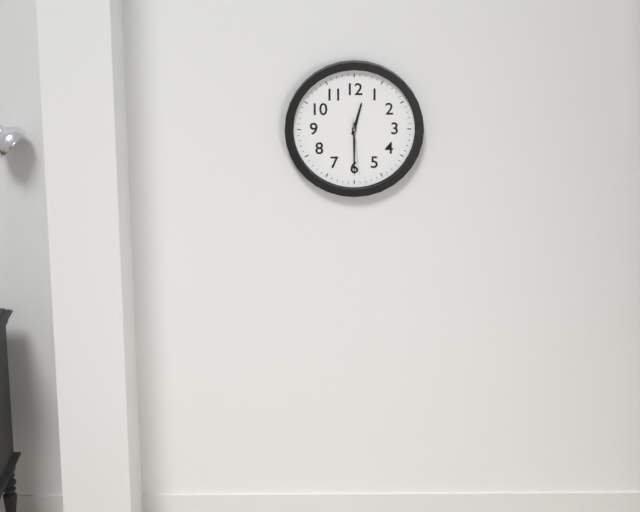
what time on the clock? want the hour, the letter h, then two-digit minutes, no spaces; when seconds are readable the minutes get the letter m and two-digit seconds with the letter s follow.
12h30m29s
